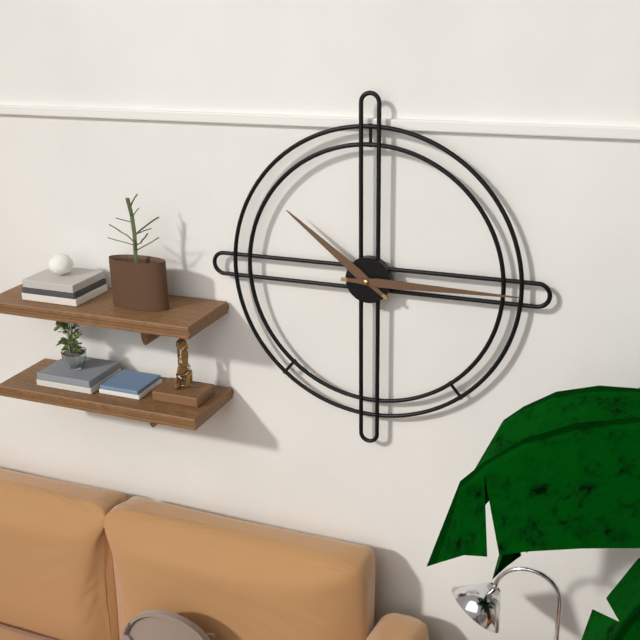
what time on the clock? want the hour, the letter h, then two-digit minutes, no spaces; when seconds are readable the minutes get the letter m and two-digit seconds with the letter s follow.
10h15
